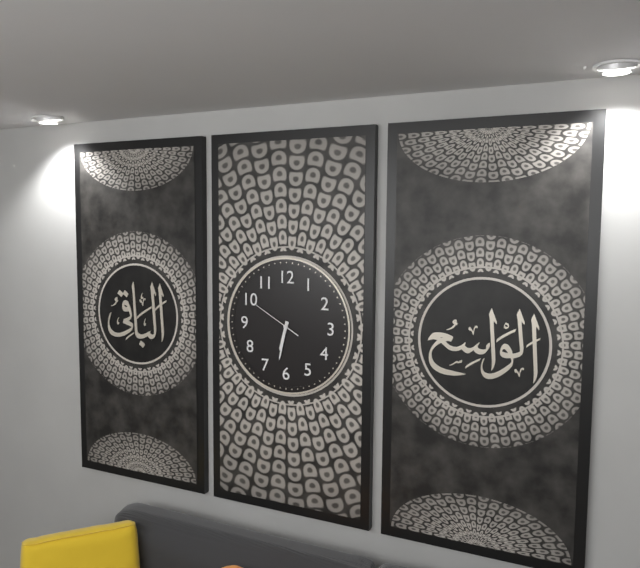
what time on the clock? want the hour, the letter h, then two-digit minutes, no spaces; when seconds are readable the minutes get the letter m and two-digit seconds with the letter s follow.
6h32
